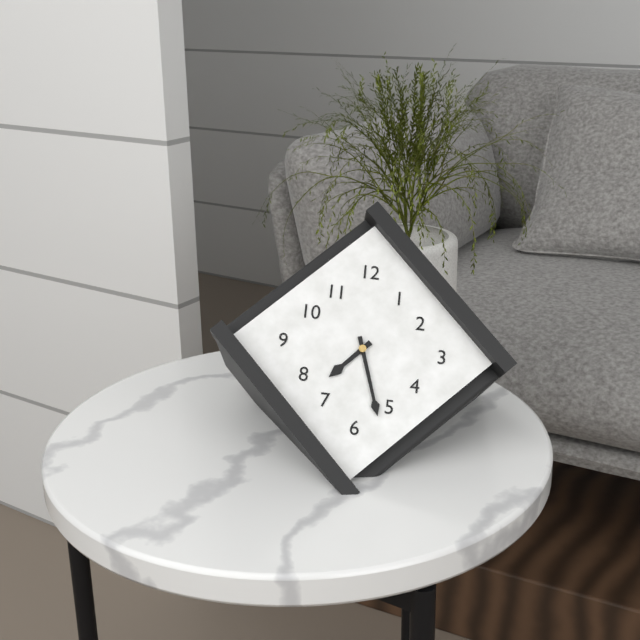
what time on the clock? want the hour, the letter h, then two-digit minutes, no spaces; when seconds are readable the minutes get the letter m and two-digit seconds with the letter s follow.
7h27
